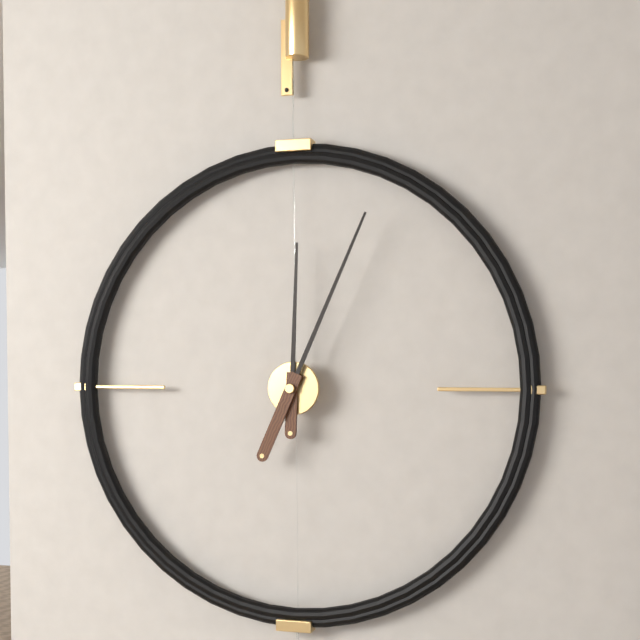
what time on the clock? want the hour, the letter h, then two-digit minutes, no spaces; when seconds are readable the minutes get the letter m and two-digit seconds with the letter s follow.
12h04
